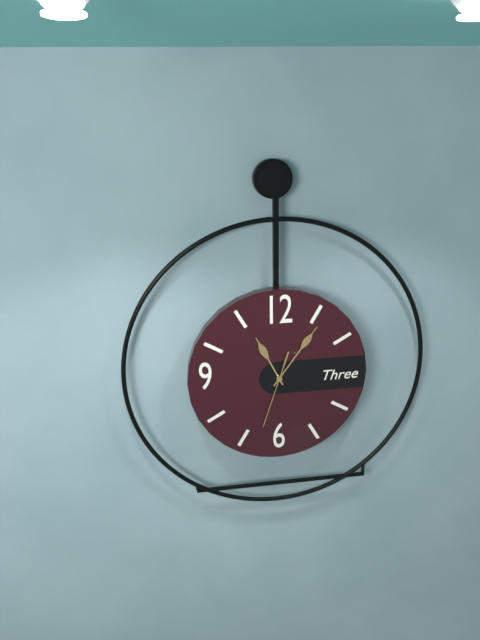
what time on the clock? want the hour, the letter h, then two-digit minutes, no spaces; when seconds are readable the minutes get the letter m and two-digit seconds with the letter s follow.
11h06m33s
